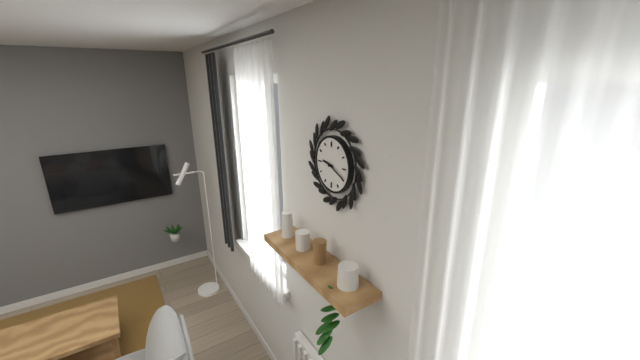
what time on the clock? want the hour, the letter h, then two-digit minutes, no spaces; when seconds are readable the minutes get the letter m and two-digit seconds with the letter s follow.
9h19
